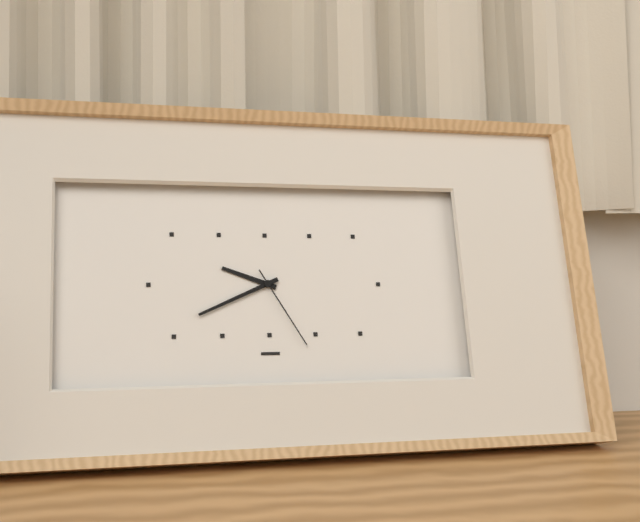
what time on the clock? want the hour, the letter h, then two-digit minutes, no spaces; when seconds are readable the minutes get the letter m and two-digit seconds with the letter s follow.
9h41m25s
